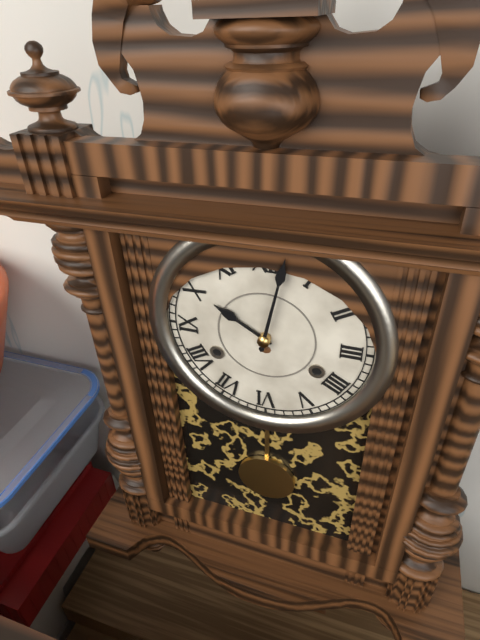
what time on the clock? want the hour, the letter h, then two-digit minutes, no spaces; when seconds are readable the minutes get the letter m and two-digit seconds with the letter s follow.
10h02
